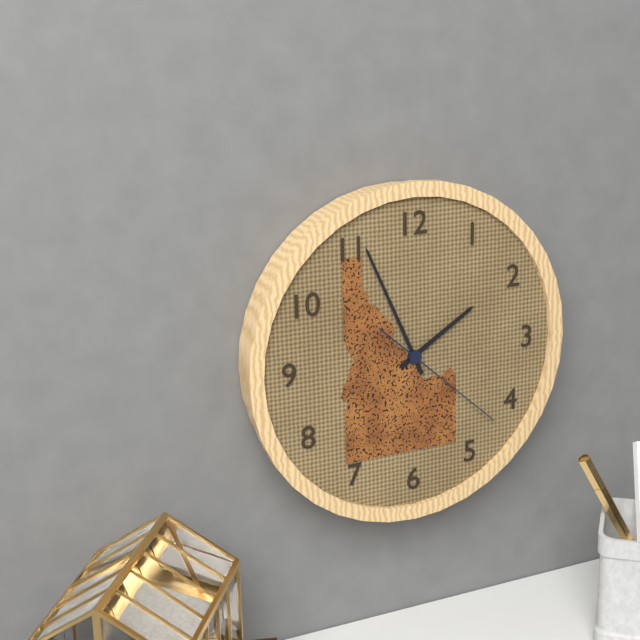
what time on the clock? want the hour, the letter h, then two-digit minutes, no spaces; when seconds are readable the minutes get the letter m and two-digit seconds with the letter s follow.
1h56m22s
